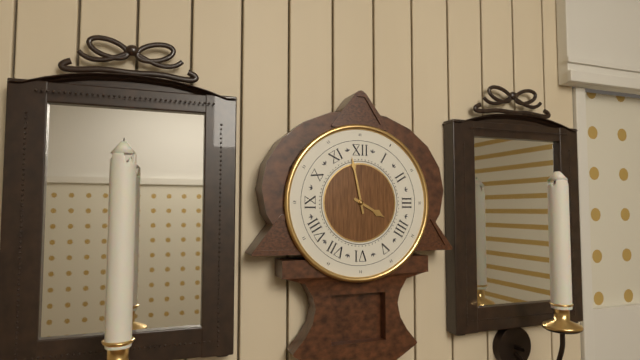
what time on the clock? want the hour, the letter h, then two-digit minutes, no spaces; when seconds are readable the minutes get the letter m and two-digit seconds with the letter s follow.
3h58
